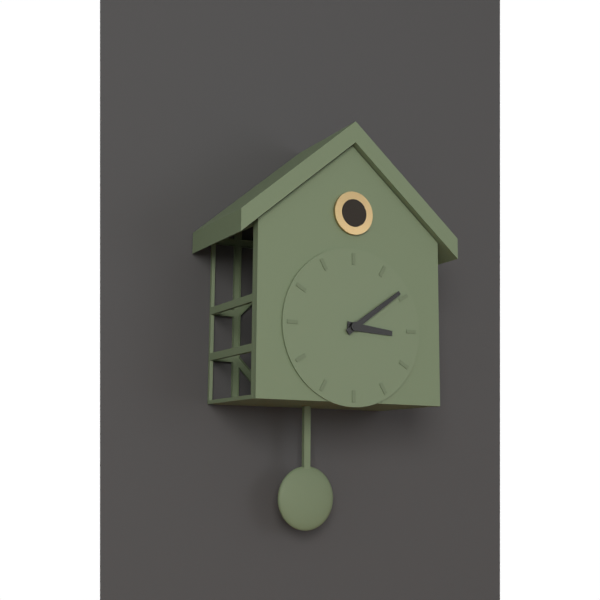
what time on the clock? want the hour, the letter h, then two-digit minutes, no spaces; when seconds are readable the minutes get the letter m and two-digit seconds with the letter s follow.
3h09
